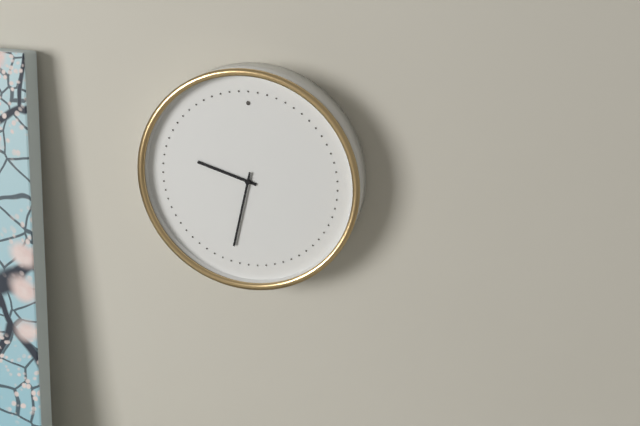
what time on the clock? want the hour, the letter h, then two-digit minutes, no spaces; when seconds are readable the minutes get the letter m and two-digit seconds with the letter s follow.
9h32
